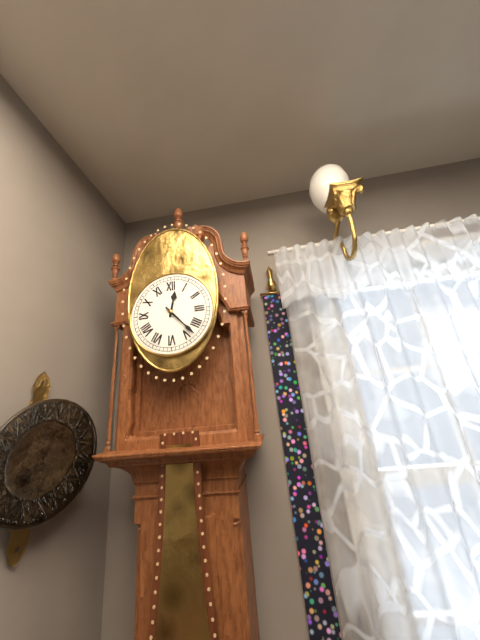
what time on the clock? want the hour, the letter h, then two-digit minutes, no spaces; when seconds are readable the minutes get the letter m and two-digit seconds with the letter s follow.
12h23
